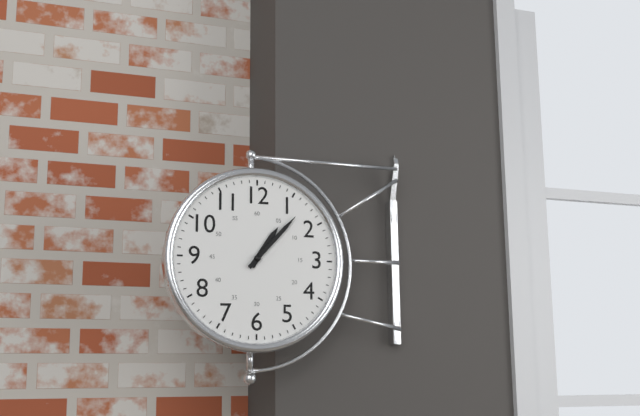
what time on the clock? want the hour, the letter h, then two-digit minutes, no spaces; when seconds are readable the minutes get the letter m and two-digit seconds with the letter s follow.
1h07
